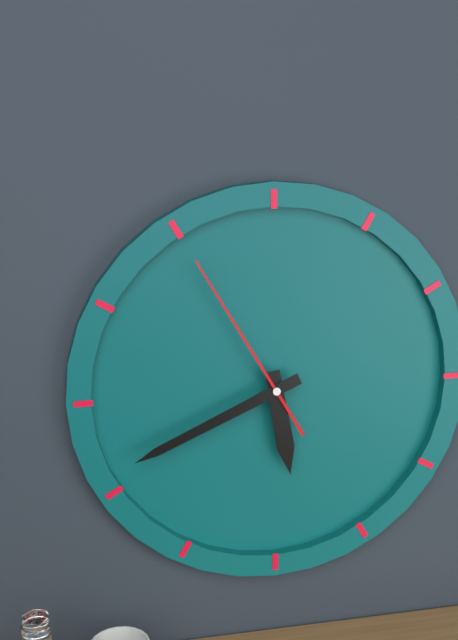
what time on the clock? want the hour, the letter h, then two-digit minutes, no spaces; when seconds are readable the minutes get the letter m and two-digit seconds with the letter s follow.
5h41m55s
